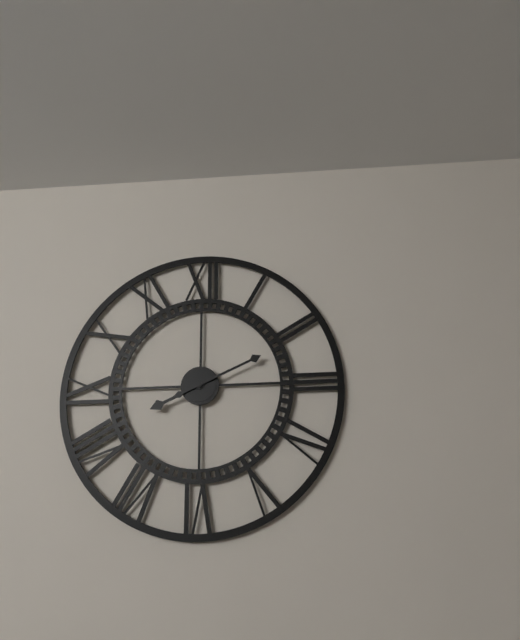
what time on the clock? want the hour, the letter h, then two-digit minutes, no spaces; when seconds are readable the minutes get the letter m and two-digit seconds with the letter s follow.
8h11
